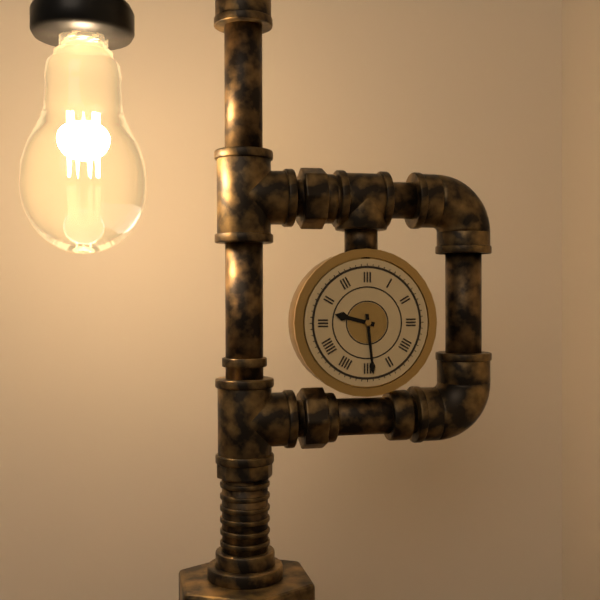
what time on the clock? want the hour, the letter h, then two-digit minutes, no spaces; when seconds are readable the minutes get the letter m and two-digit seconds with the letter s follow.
9h29
